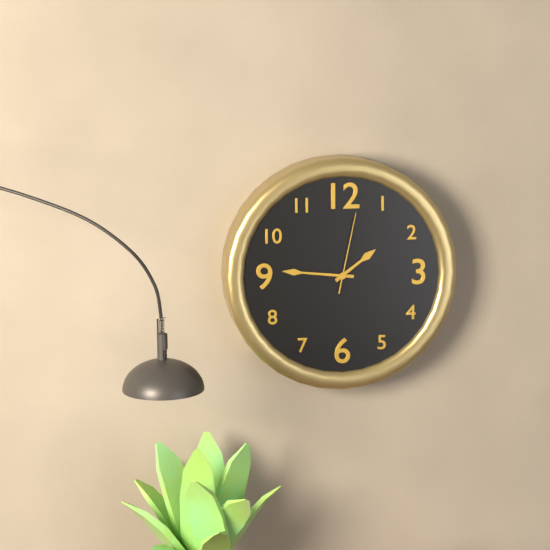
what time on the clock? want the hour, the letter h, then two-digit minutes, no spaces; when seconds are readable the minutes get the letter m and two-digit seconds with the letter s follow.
1h46m02s
